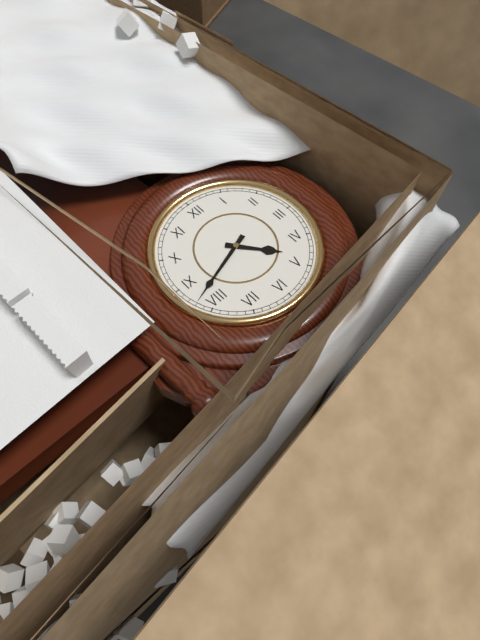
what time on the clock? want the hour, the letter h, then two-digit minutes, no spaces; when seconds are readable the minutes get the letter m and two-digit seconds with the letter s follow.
4h42
